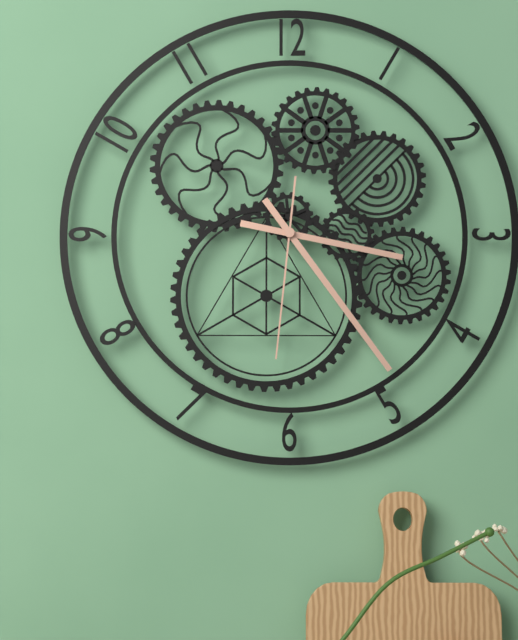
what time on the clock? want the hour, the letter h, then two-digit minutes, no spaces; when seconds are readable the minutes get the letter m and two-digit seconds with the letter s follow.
3h24m31s
